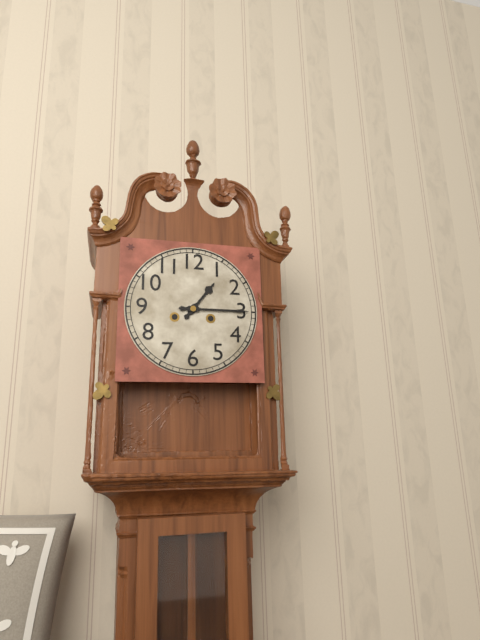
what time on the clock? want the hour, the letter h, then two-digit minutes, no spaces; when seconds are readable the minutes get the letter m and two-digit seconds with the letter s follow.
1h15
